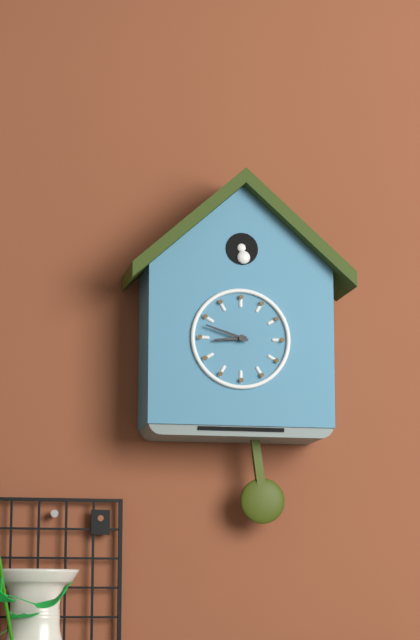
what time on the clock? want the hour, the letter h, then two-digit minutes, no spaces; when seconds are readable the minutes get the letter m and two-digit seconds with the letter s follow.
8h48
